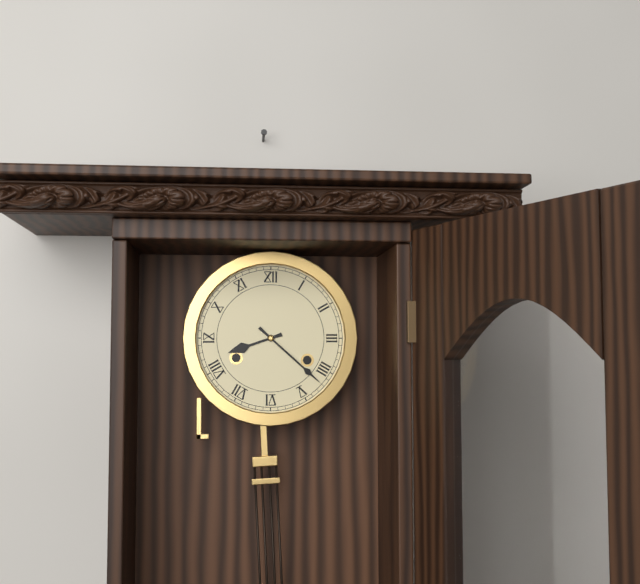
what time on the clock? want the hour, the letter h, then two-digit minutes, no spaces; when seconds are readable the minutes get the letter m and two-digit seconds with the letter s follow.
8h22
